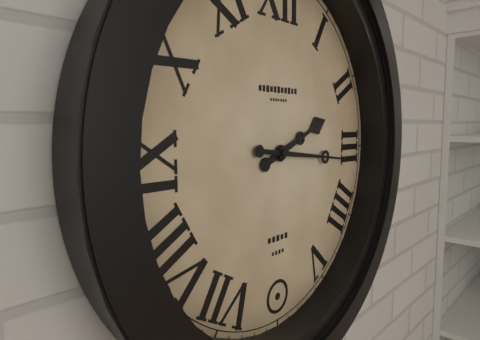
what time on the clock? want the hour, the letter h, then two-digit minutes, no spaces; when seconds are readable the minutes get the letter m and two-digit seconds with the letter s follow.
2h16
